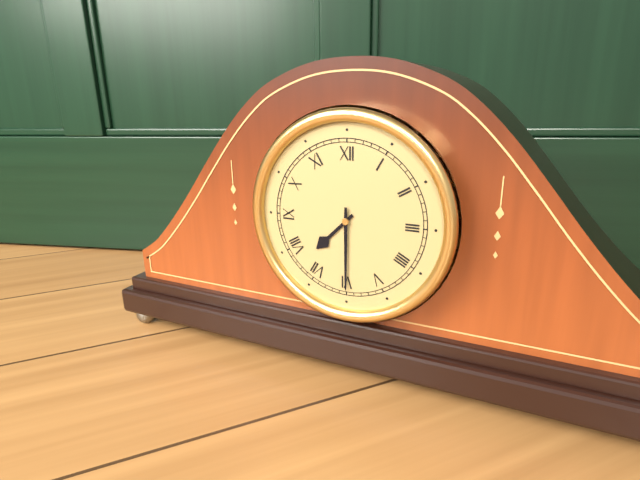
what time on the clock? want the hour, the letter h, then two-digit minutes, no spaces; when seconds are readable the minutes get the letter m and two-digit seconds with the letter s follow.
7h30
